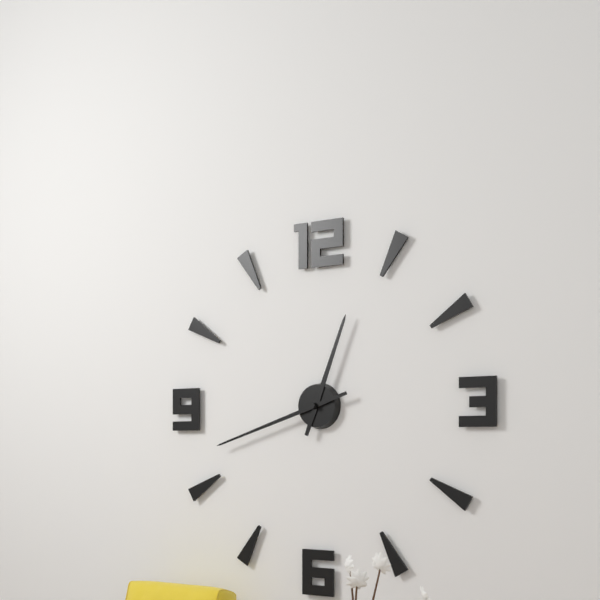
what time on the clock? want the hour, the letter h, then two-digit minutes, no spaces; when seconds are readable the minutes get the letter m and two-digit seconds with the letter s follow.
12h42
